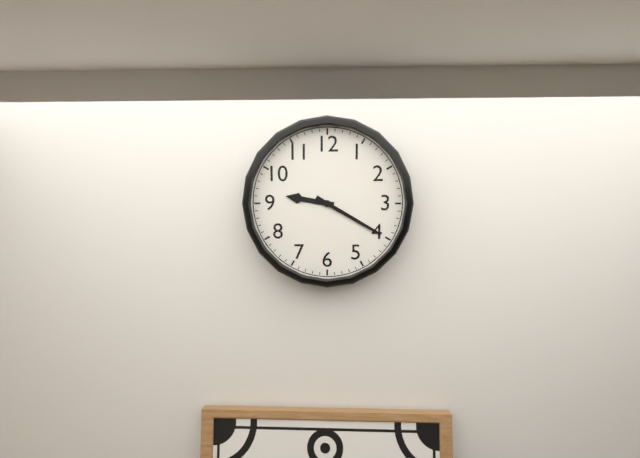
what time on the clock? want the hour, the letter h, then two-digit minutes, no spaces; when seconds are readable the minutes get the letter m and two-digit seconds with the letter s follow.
9h20
